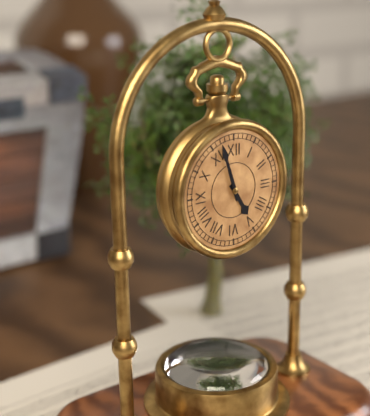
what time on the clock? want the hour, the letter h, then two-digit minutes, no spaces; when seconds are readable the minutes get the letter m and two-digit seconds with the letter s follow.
4h57
